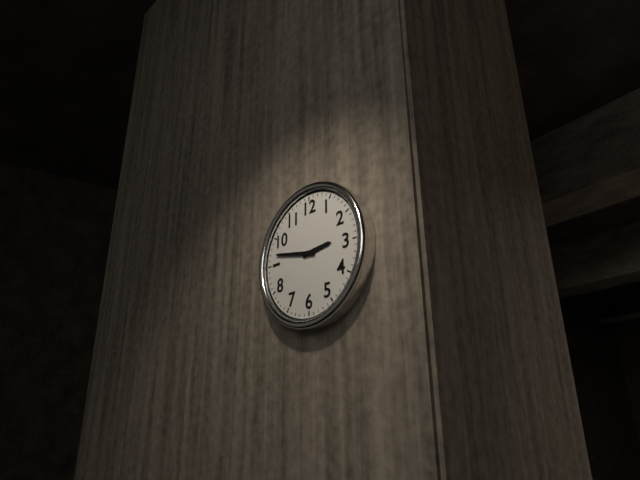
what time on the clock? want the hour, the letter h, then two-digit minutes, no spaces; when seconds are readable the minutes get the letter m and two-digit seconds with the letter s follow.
2h47
